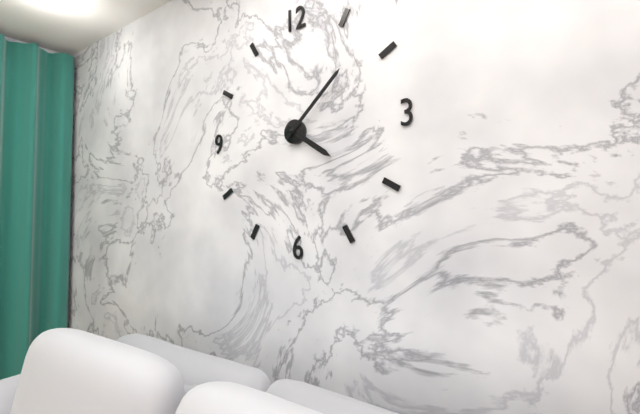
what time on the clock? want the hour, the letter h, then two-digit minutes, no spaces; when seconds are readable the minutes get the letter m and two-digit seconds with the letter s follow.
4h08
